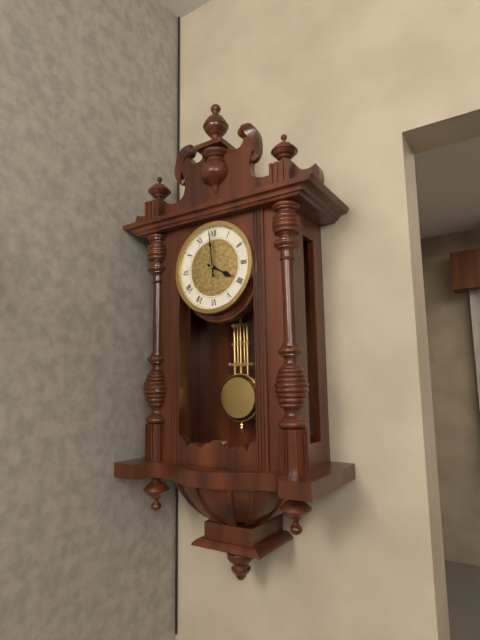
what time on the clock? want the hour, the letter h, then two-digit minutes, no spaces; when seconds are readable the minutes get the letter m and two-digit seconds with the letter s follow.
3h59
